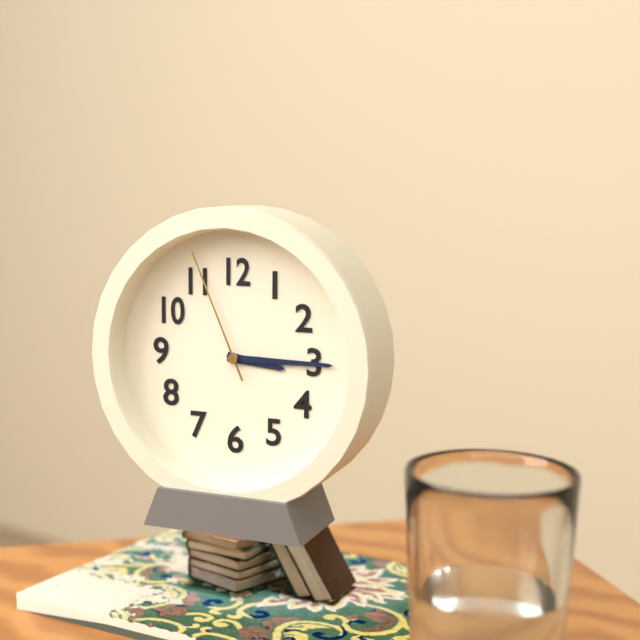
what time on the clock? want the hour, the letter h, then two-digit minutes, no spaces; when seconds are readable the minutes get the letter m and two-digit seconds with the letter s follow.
3h15m56s
